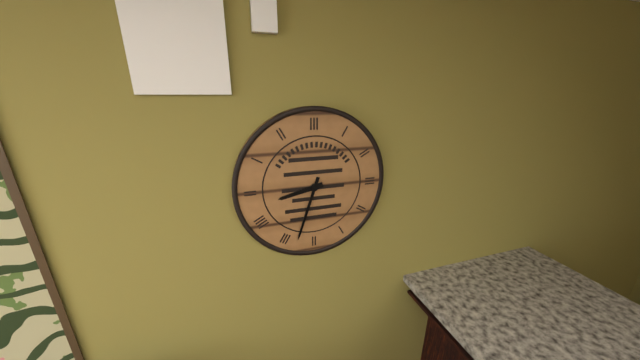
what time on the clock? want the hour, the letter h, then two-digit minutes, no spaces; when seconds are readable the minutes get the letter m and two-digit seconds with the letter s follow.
8h33
